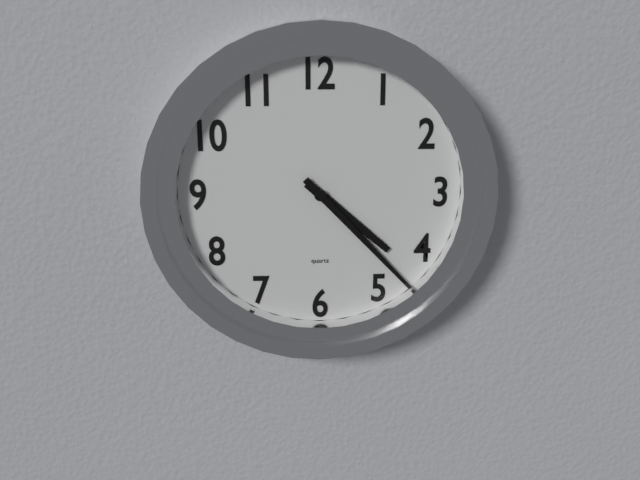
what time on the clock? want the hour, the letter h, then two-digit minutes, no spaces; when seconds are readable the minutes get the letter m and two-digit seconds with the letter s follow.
4h23
